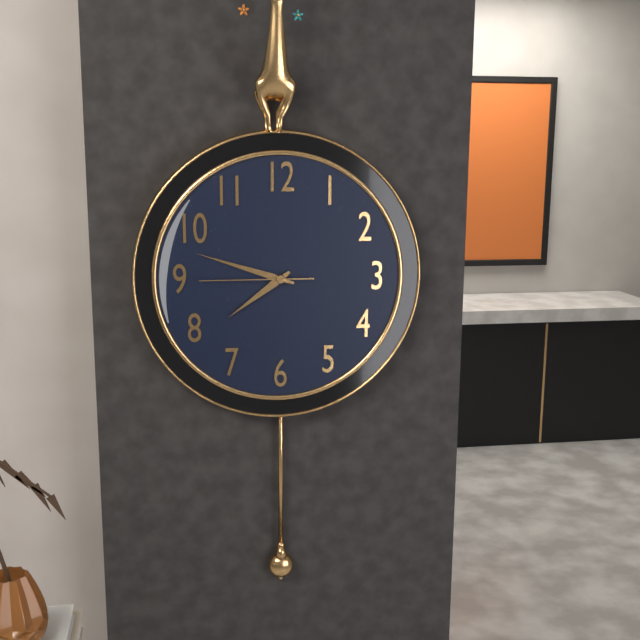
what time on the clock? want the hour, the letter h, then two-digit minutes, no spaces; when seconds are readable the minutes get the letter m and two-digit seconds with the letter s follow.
7h48m45s
